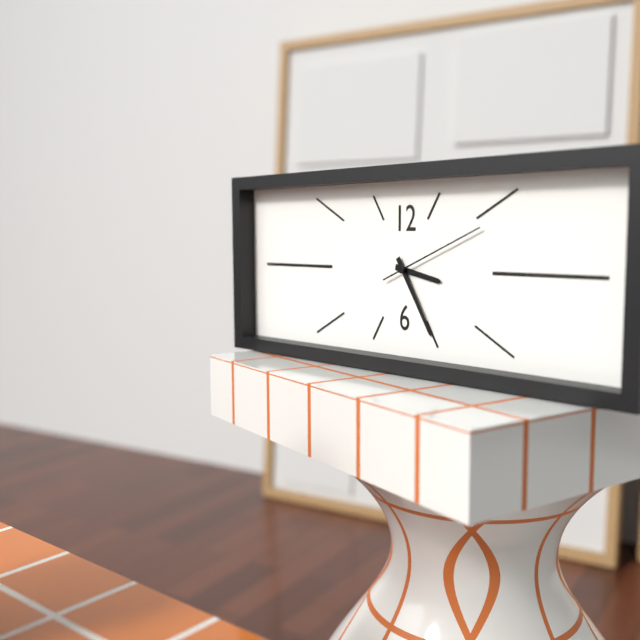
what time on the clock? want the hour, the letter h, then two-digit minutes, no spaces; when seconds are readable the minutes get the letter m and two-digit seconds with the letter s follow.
3h25m11s
